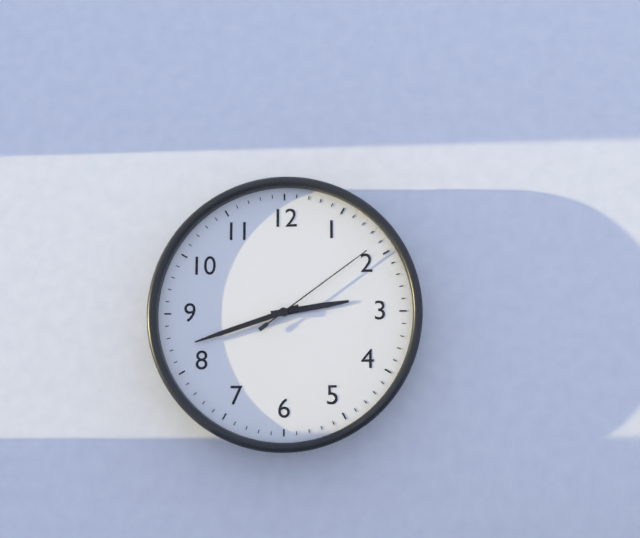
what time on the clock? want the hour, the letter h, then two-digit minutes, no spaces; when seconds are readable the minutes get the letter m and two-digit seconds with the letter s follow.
2h42m09s
